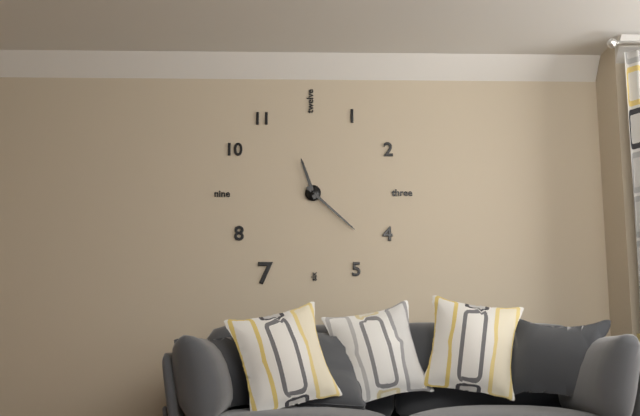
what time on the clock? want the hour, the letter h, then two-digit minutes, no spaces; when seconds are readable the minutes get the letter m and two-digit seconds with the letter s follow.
11h22
